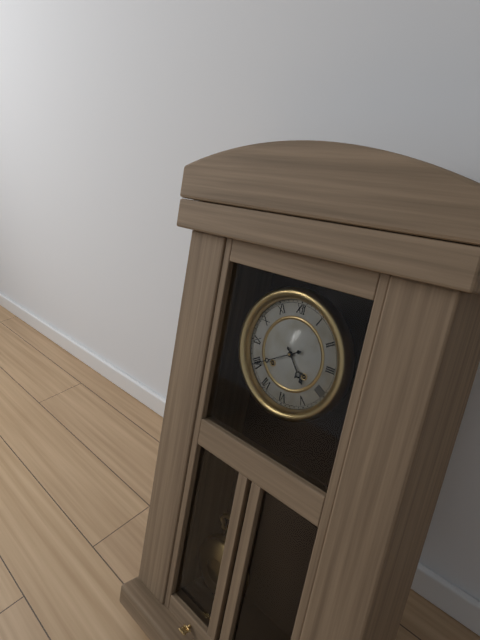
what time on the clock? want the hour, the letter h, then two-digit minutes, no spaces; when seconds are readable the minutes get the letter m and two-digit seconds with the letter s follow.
4h40
